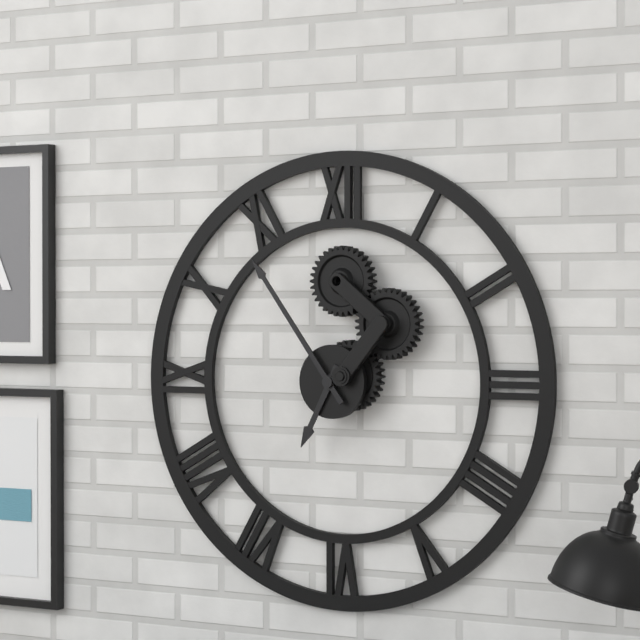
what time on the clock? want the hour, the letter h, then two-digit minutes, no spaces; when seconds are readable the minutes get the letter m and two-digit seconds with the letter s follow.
6h54
